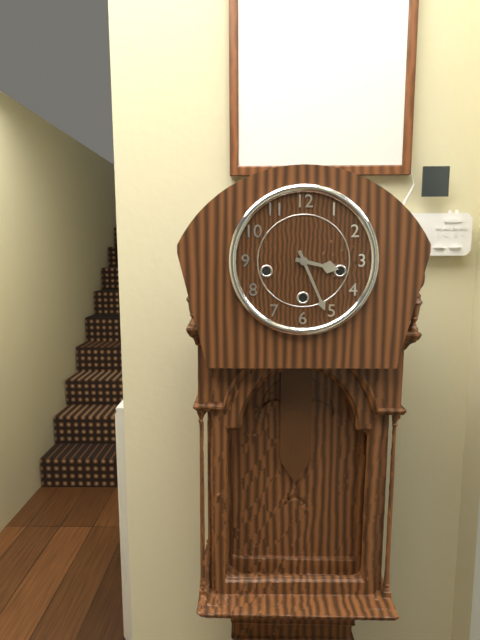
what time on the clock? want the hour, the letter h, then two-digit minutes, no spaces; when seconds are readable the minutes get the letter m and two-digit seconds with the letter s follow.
3h26
